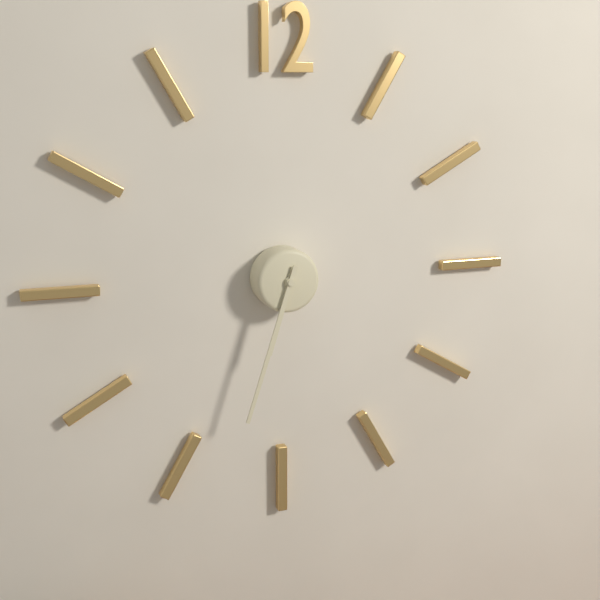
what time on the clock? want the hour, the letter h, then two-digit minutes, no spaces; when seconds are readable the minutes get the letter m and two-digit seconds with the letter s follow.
6h33
